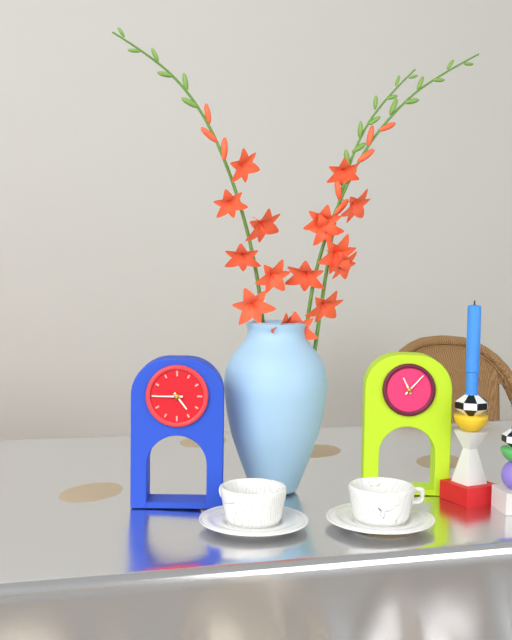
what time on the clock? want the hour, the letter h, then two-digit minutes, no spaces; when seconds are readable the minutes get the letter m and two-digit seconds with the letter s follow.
4h45
